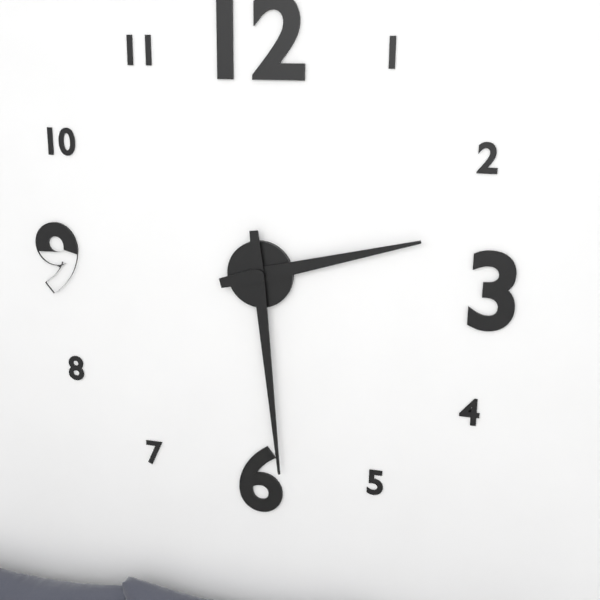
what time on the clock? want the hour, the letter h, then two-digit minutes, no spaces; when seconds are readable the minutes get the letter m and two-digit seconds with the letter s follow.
2h29
